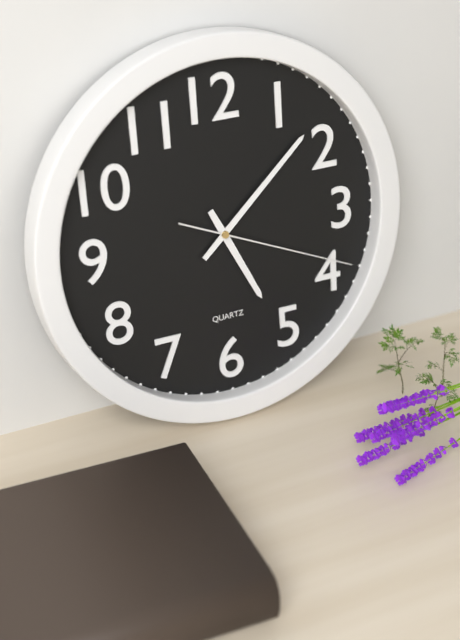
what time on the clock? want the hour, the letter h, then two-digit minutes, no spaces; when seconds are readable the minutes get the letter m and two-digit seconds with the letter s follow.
5h08m19s
